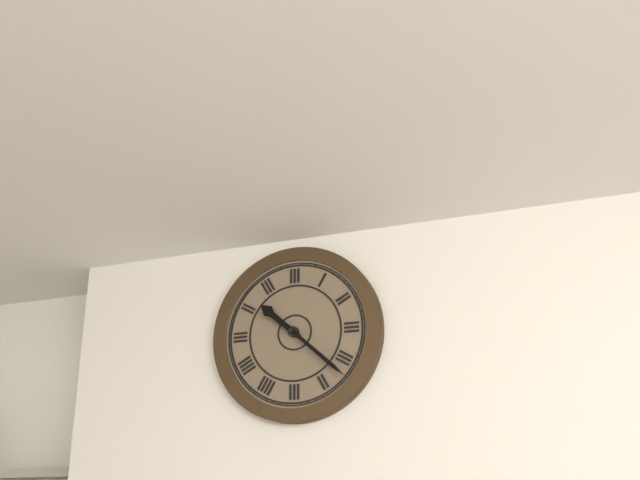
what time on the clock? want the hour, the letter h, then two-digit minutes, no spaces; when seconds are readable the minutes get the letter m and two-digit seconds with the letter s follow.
10h22
